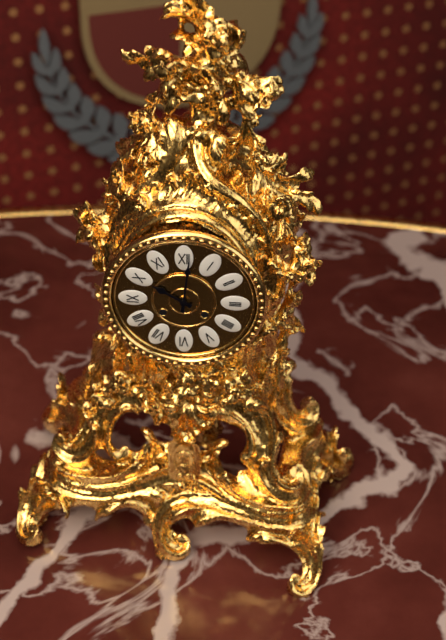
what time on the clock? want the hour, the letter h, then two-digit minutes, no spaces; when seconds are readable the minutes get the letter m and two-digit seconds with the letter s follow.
10h01
